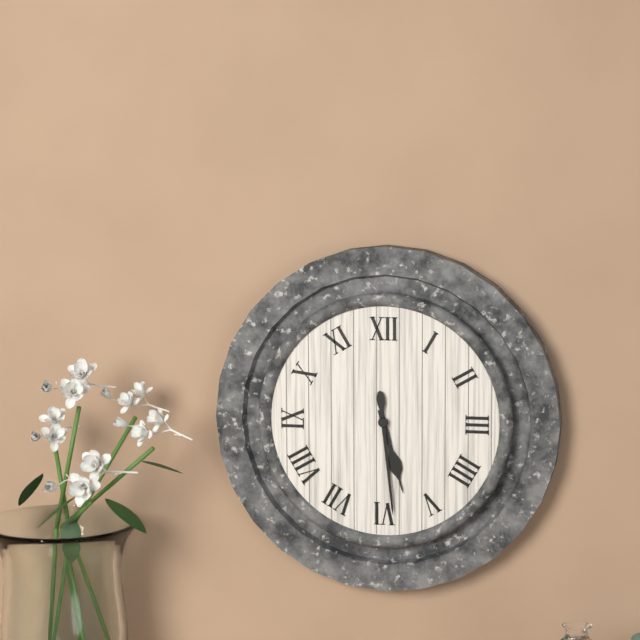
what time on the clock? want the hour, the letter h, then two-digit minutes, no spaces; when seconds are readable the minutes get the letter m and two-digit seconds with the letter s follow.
5h29
